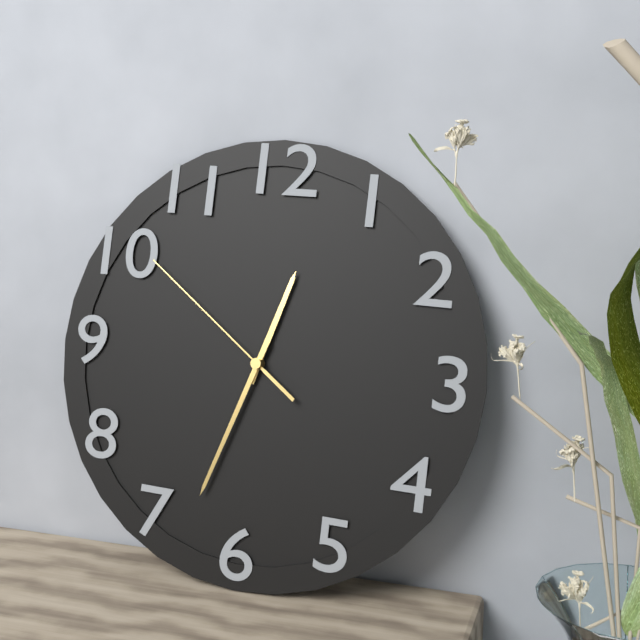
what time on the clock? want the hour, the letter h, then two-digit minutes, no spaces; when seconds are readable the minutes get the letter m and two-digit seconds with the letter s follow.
12h33m51s
